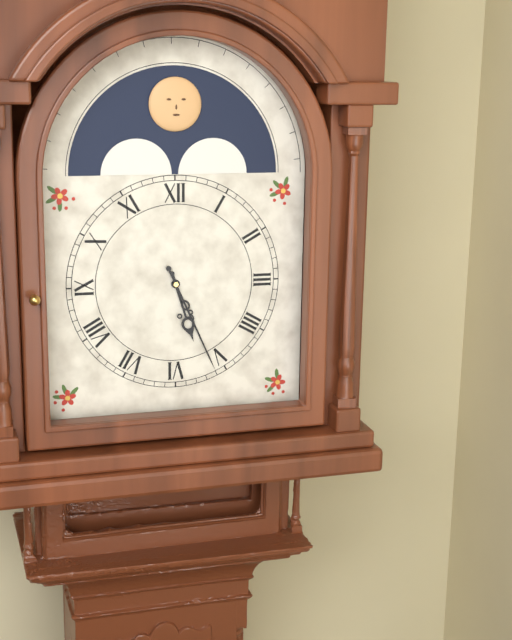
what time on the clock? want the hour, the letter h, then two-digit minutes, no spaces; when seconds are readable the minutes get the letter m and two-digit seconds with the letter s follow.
5h26
